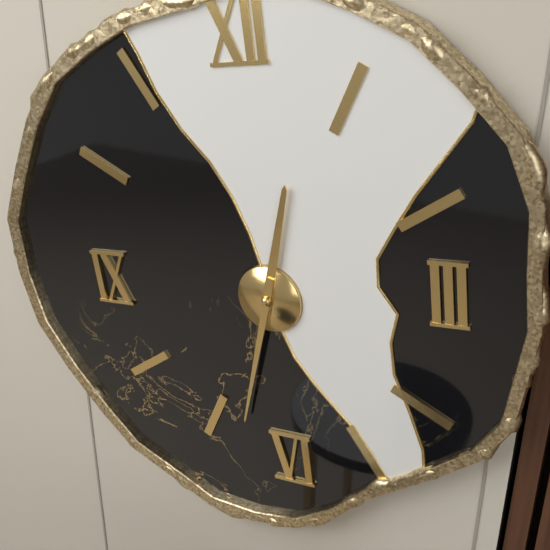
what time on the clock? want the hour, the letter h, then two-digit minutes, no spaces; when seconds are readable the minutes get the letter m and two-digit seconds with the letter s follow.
12h33
